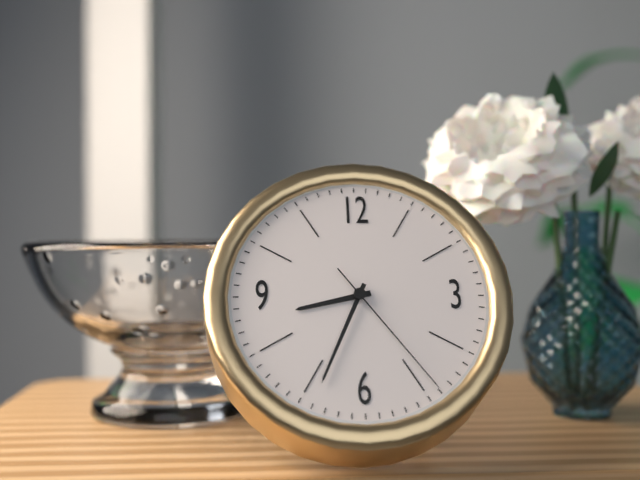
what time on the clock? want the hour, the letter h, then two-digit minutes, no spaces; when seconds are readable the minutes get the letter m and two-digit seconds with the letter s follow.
8h34m24s
